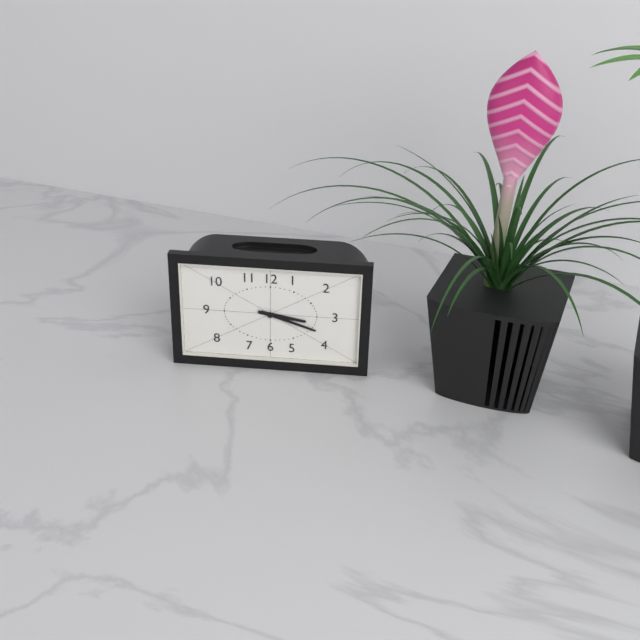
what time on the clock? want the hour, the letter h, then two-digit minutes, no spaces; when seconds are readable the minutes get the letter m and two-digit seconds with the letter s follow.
3h18
